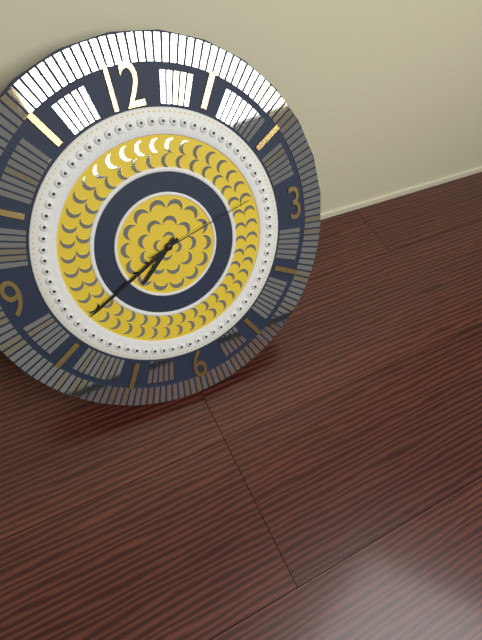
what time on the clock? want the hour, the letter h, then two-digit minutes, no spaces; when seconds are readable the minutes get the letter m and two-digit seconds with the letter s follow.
7h41m13s
